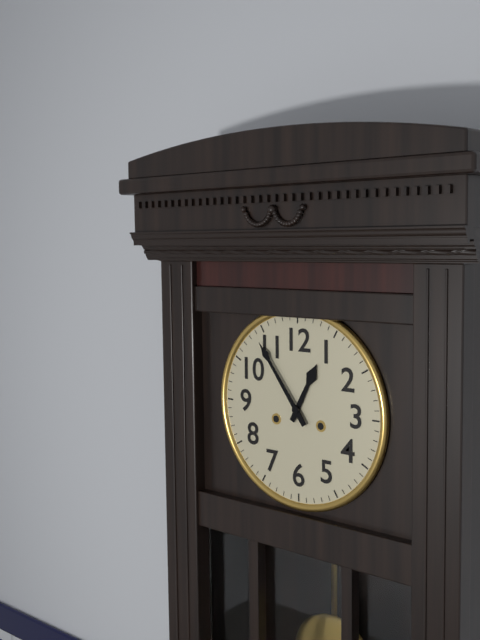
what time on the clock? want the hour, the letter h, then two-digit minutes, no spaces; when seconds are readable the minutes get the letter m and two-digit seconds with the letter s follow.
12h54
